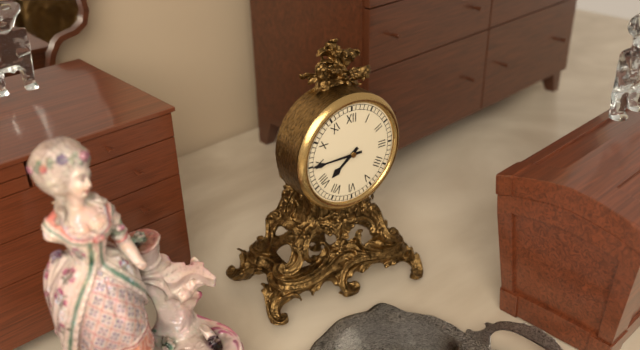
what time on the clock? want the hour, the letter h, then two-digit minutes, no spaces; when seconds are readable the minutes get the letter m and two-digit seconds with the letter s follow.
7h45
